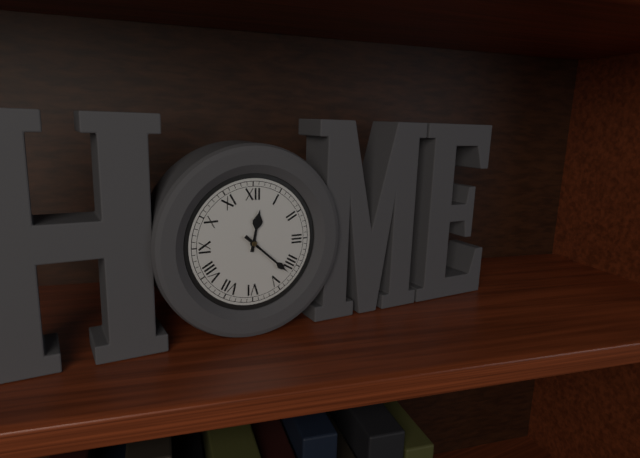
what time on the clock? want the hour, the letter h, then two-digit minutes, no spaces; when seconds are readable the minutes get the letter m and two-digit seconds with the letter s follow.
12h22
